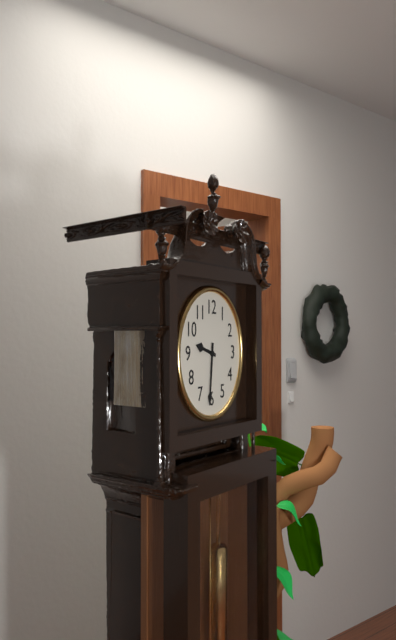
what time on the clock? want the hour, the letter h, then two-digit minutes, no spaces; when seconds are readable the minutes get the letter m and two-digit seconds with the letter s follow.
9h31
